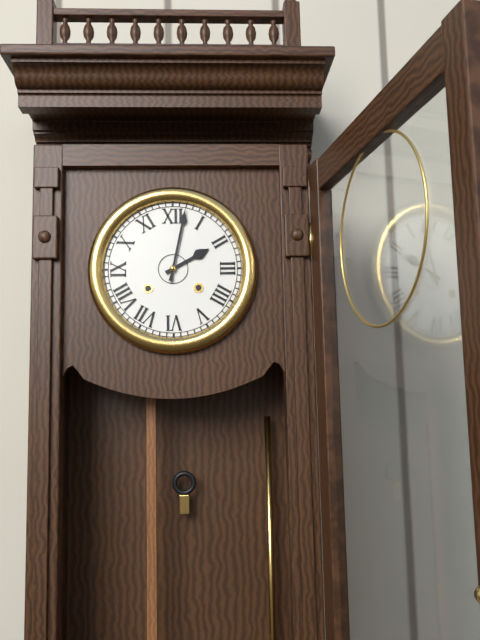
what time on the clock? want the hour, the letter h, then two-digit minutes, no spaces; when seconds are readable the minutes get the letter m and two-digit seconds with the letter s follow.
2h02
